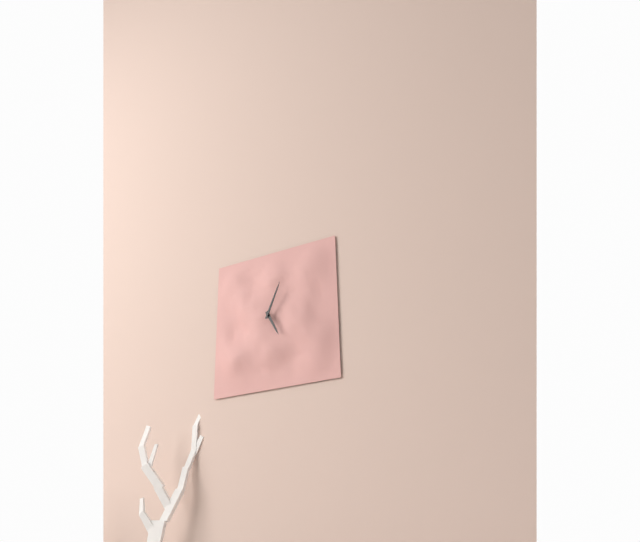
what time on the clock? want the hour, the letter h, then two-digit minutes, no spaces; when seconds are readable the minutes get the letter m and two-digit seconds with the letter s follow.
5h04
